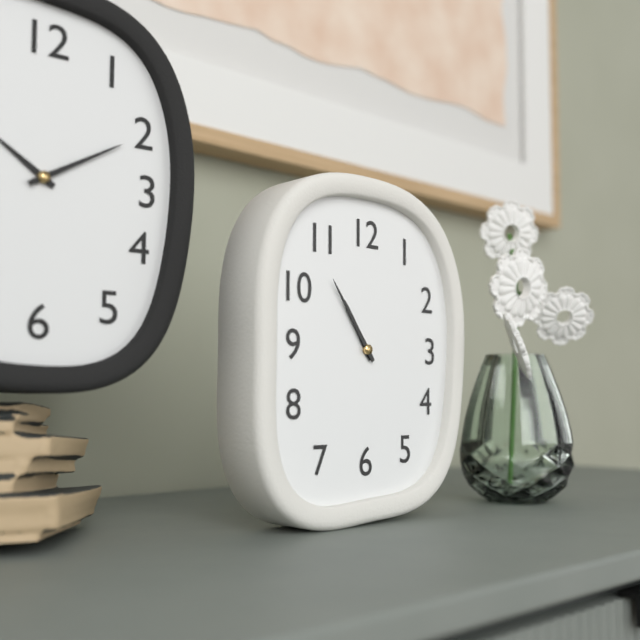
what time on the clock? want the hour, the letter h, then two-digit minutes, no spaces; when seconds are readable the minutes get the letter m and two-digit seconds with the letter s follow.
10h54
